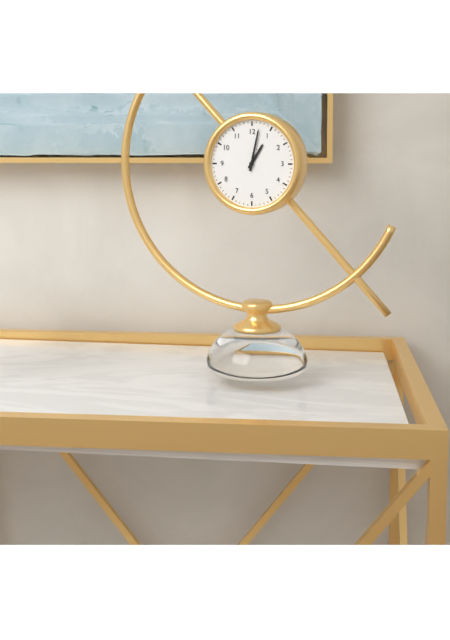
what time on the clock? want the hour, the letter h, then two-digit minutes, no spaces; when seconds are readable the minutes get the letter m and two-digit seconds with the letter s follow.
1h02
